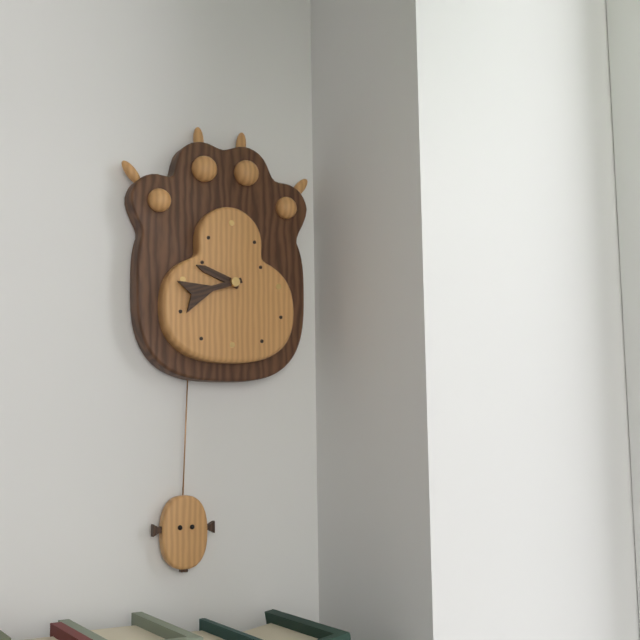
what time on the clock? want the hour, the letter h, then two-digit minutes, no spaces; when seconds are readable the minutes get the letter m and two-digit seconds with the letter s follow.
9h42
